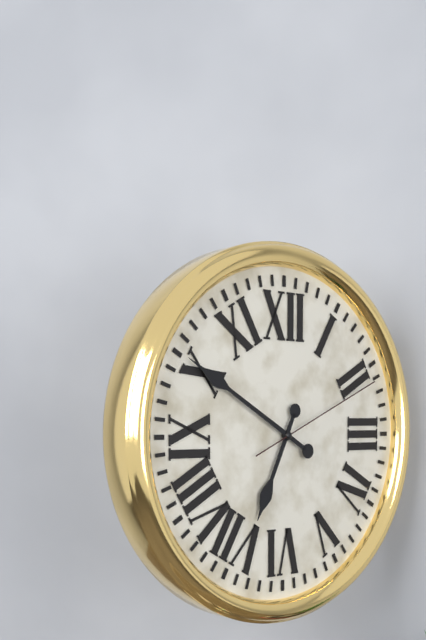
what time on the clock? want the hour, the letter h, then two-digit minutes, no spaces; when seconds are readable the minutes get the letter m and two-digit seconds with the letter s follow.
6h50m11s
